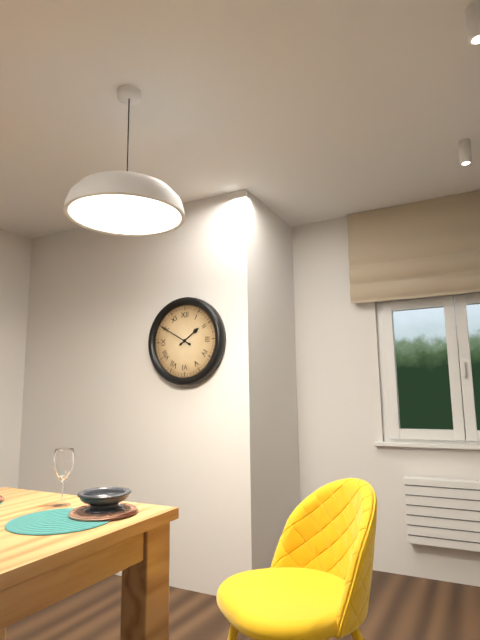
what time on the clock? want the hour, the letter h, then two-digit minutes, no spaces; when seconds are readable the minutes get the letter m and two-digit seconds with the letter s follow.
1h50
